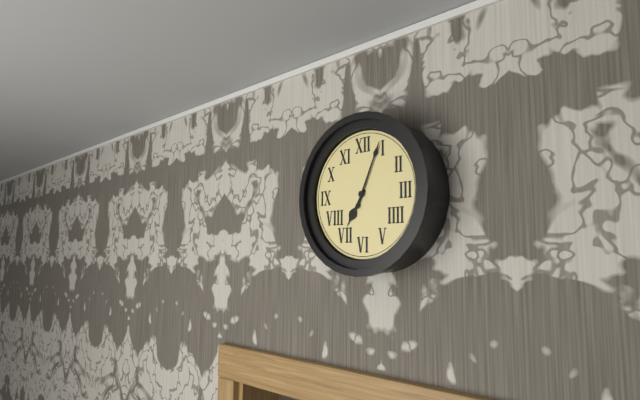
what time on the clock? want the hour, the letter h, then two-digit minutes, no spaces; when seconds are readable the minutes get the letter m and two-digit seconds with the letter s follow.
7h04
